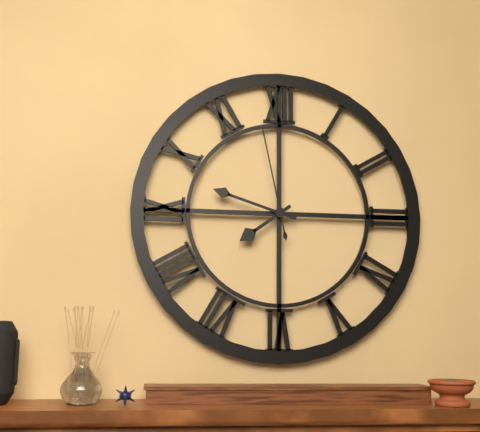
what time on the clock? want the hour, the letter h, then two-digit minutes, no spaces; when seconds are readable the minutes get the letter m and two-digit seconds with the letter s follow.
7h48m58s
